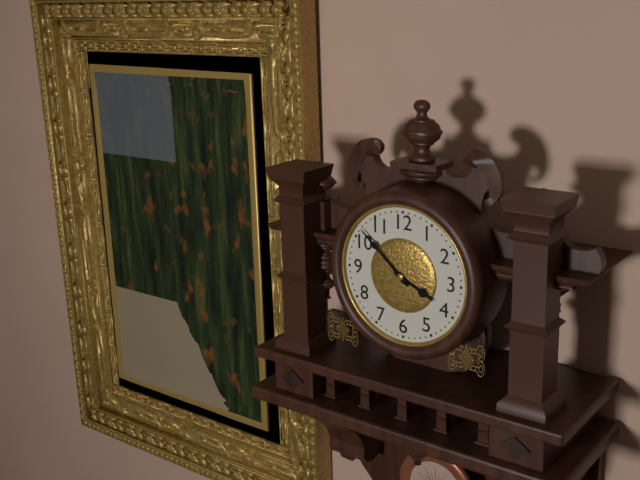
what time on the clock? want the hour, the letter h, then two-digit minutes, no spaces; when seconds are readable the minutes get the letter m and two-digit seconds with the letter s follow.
3h52
